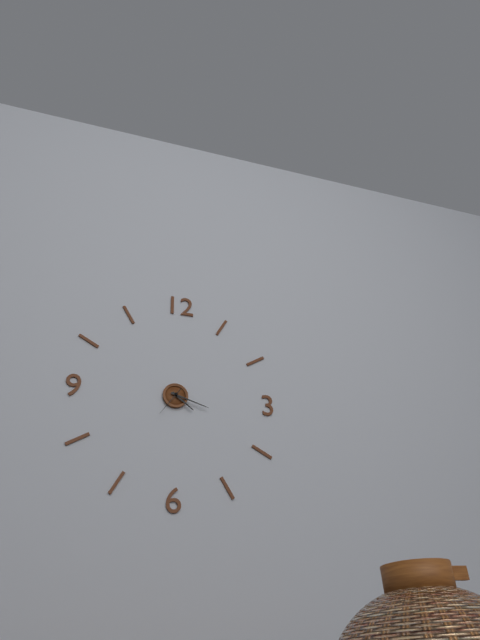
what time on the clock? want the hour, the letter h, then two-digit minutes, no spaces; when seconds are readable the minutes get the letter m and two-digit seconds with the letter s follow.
4h18
